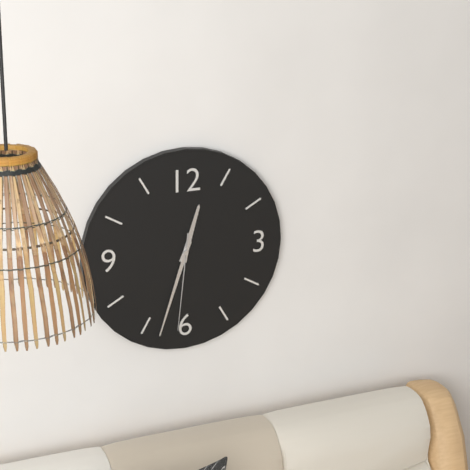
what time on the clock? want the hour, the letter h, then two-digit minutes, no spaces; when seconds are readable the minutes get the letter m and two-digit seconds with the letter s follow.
12h33m31s
